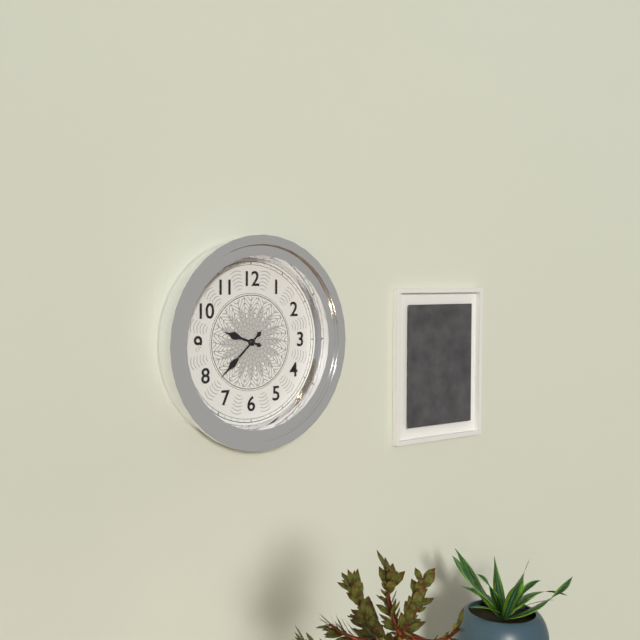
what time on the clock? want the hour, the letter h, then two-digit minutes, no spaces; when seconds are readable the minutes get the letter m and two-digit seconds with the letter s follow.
9h38
